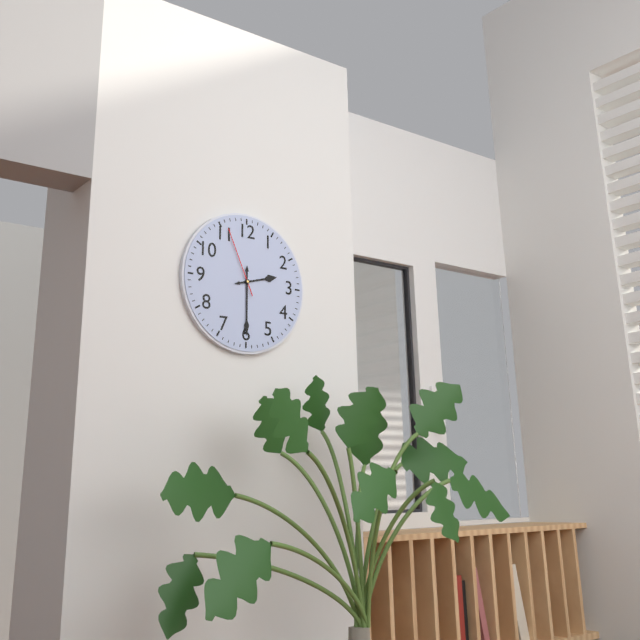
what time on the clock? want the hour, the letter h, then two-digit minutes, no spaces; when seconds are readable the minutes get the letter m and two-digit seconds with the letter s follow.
2h30m56s
